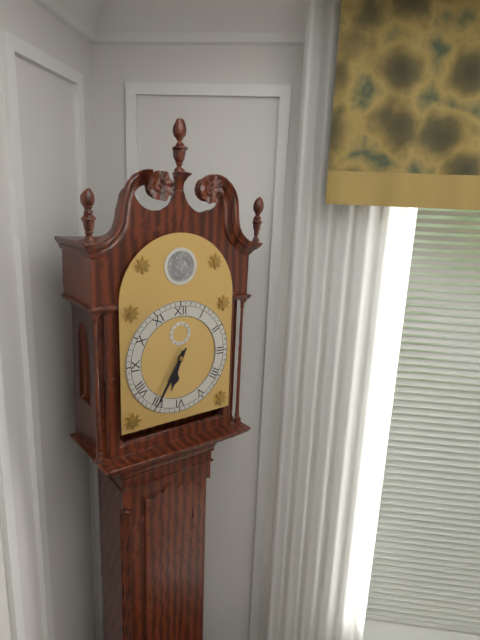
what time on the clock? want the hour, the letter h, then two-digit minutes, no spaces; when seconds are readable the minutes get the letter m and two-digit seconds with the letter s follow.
6h35
